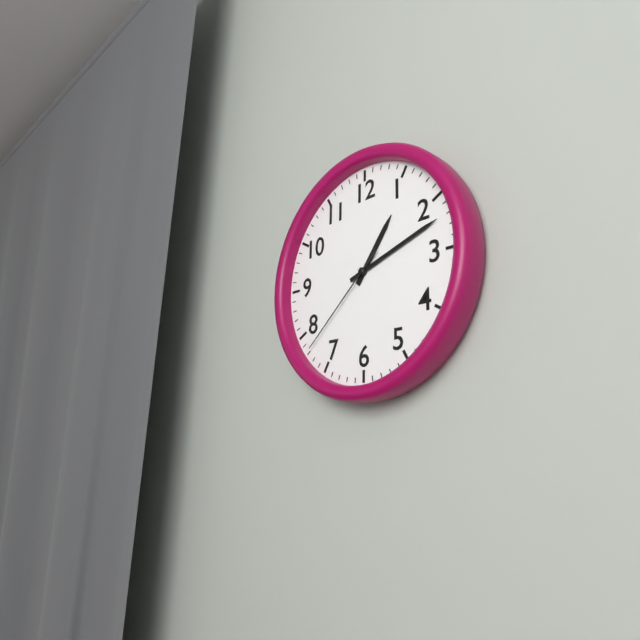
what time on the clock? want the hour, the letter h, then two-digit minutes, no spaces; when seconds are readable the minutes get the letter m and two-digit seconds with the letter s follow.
1h12m38s
